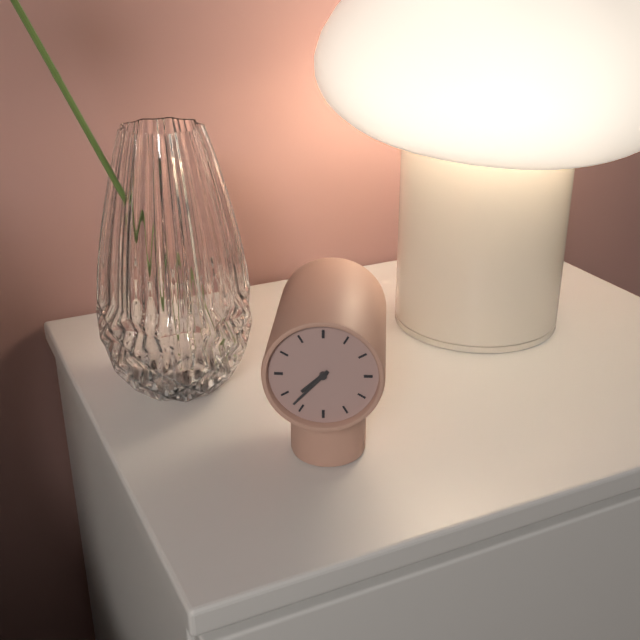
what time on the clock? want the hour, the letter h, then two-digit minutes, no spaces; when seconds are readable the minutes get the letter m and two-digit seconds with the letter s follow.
7h37
